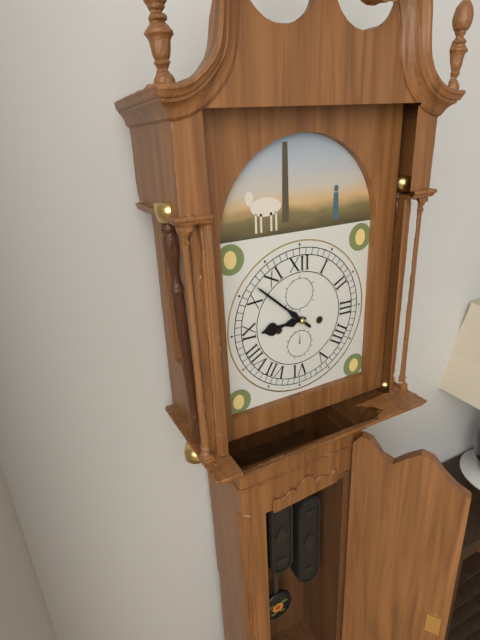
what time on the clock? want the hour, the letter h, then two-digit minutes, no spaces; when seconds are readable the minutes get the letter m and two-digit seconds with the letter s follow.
8h52
